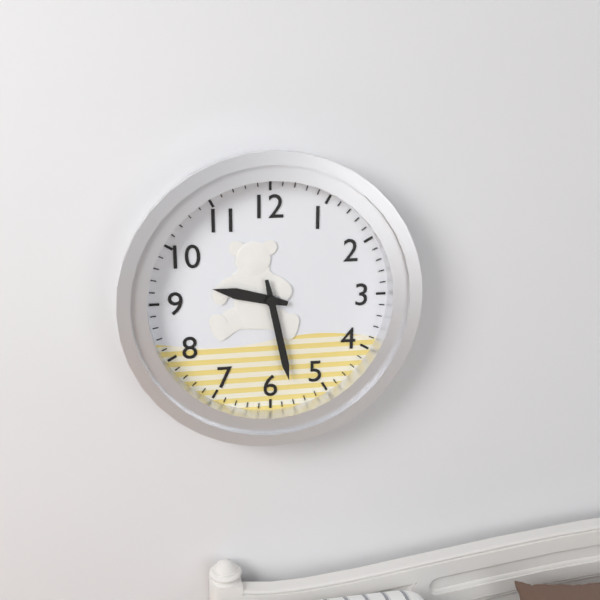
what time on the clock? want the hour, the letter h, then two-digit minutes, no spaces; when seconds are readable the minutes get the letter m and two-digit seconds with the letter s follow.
9h28
